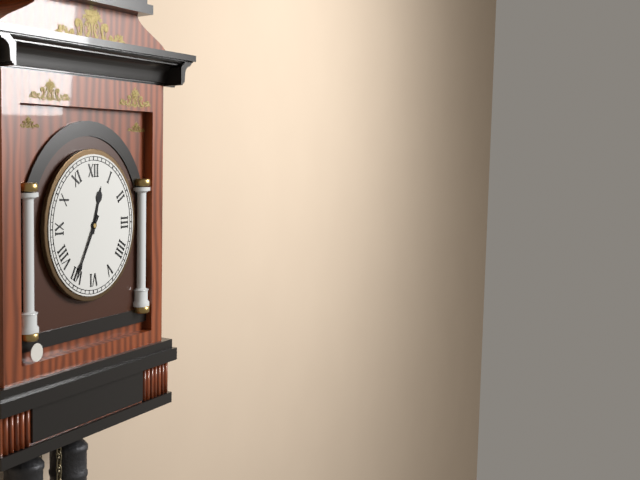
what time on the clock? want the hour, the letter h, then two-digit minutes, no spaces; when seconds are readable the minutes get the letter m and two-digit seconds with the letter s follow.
12h35
